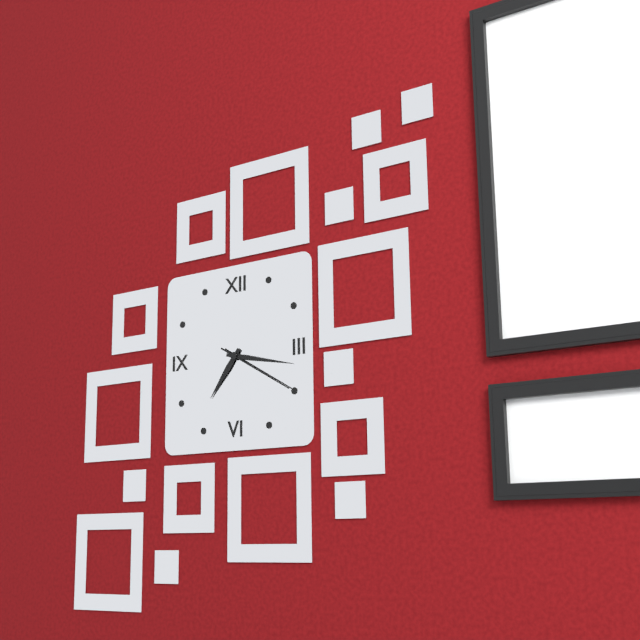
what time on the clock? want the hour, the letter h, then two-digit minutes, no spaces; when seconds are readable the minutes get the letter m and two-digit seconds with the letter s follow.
7h17m20s
